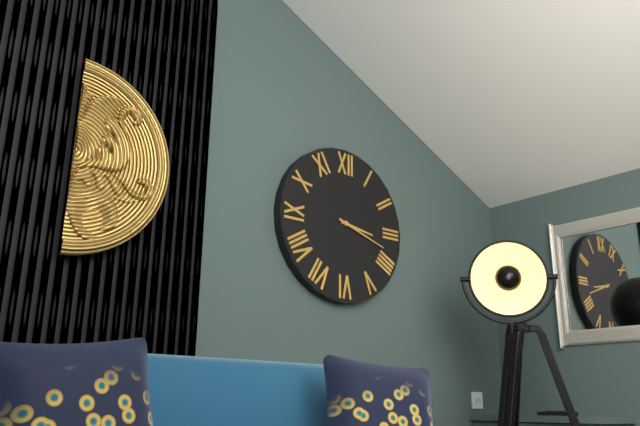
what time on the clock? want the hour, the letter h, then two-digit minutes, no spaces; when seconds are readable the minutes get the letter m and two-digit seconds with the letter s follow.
3h18
